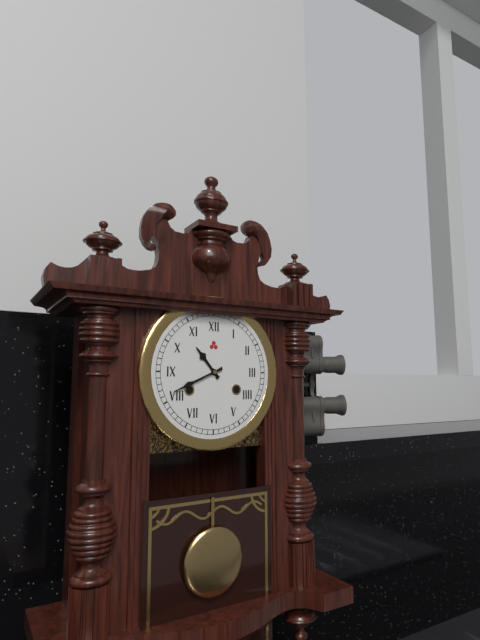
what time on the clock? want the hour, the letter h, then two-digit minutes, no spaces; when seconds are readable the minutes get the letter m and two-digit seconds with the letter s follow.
10h41
